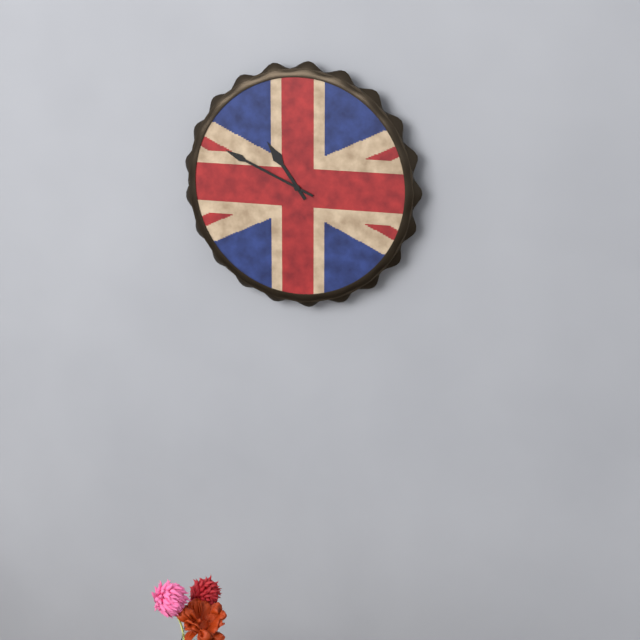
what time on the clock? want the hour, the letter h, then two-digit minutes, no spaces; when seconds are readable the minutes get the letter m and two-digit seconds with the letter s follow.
10h49
